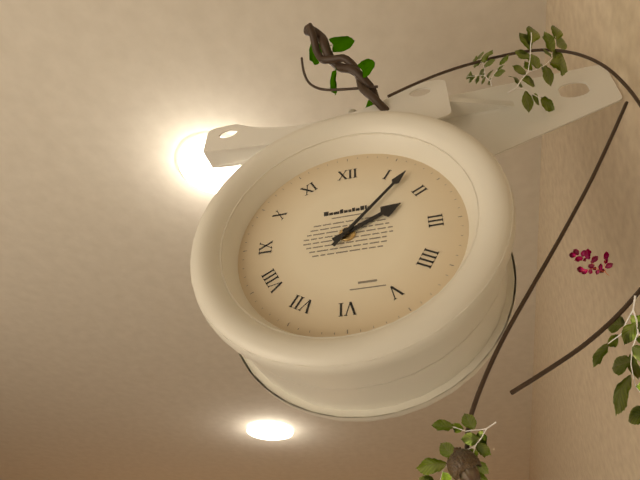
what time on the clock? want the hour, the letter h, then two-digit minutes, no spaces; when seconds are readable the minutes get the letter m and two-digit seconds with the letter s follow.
2h07
